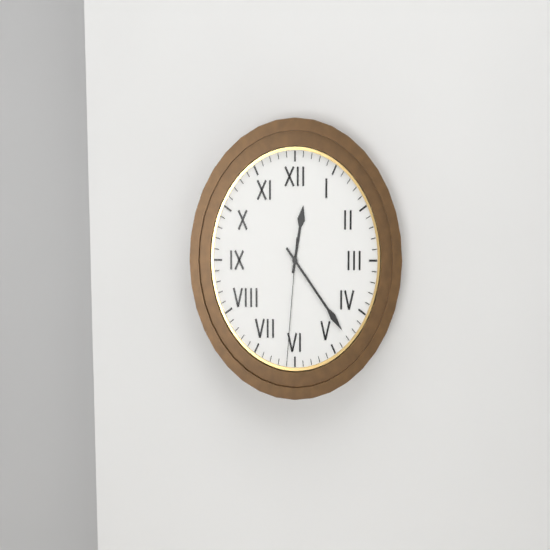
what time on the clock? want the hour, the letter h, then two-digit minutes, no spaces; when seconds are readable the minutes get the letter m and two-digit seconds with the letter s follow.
12h23m31s
